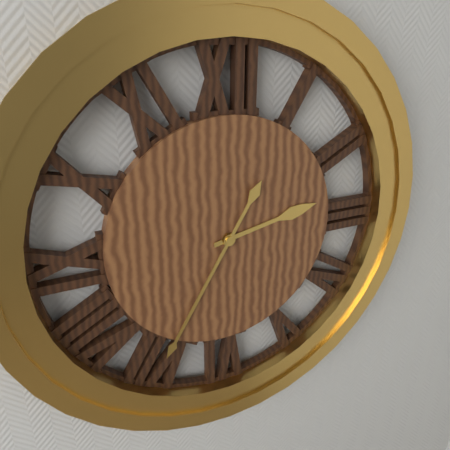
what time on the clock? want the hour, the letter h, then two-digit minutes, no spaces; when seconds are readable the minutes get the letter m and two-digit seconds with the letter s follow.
2h35
